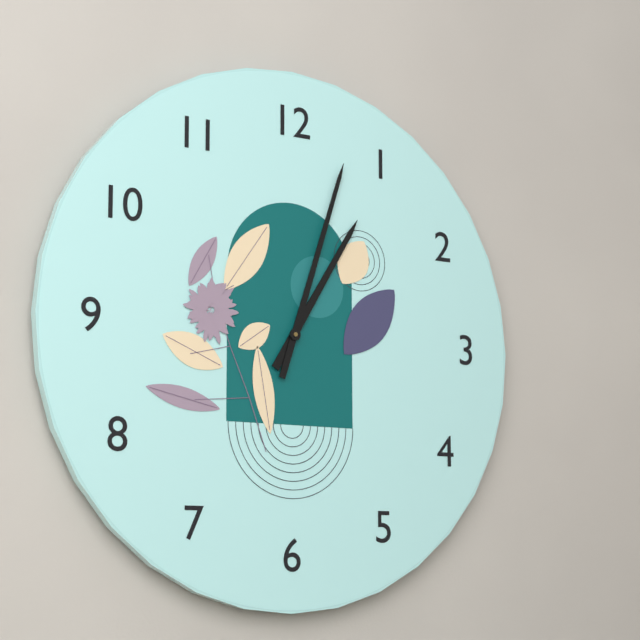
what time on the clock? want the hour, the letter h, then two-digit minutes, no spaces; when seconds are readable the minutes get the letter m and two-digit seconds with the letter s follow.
1h03
